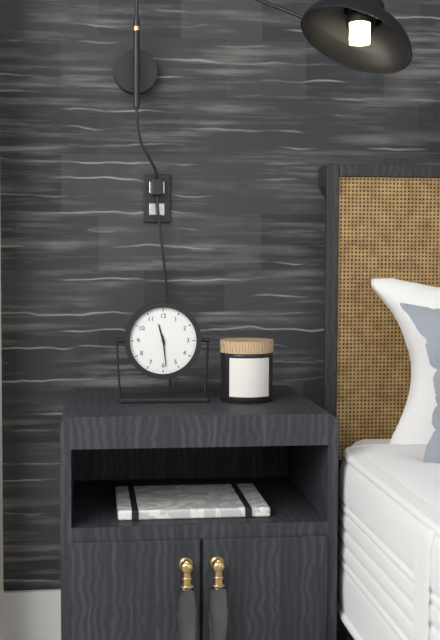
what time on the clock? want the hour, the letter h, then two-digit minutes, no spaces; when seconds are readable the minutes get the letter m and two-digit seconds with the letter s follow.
11h29
